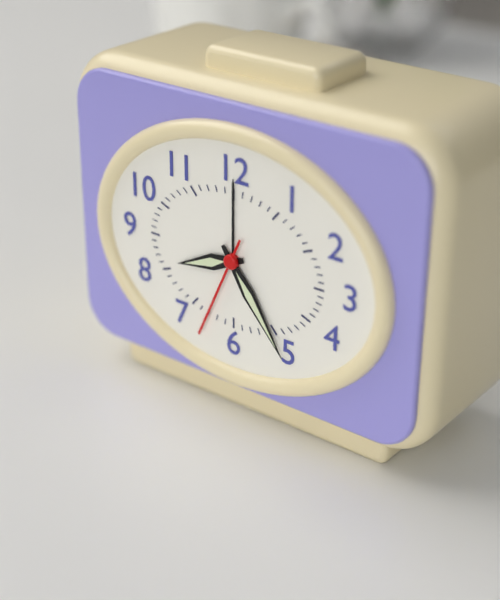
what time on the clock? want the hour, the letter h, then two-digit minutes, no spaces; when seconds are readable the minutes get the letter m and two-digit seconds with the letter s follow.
8h24m34s
